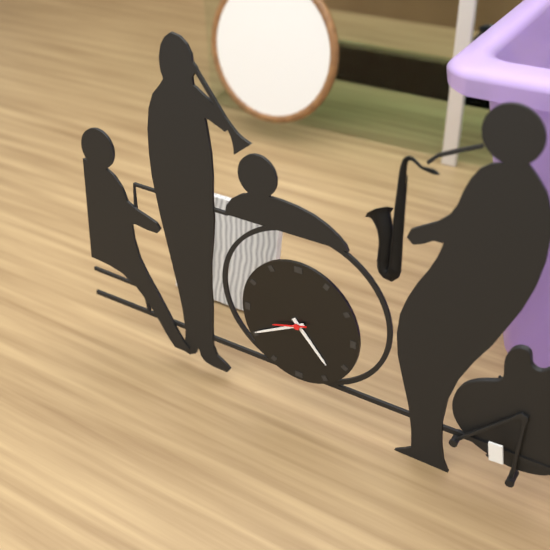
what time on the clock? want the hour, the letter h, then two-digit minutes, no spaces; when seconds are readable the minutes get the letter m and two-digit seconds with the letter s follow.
4h40
